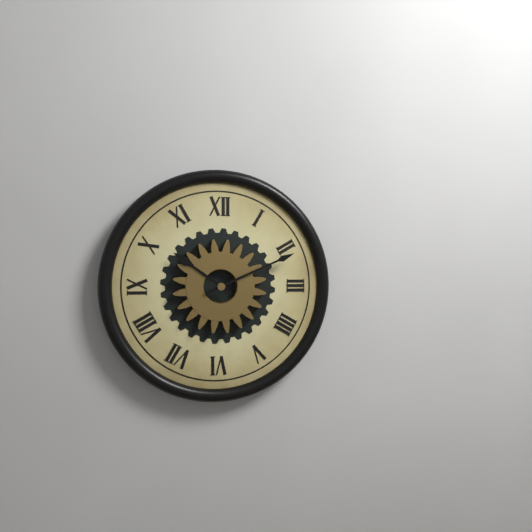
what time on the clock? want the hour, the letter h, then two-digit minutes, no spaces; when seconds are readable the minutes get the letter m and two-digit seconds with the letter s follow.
10h11
